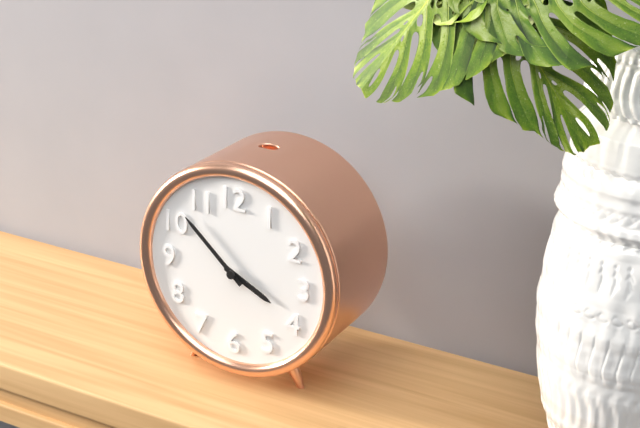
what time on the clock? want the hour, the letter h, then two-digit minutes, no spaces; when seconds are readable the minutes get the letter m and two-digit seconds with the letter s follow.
3h52
